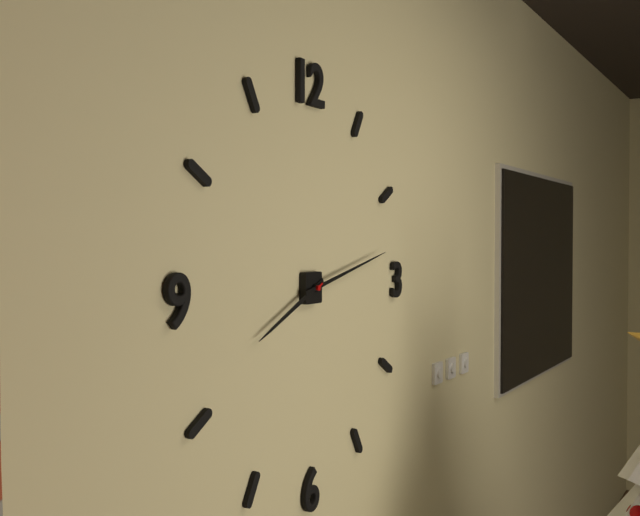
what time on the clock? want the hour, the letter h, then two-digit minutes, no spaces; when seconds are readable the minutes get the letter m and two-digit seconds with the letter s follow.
8h13
